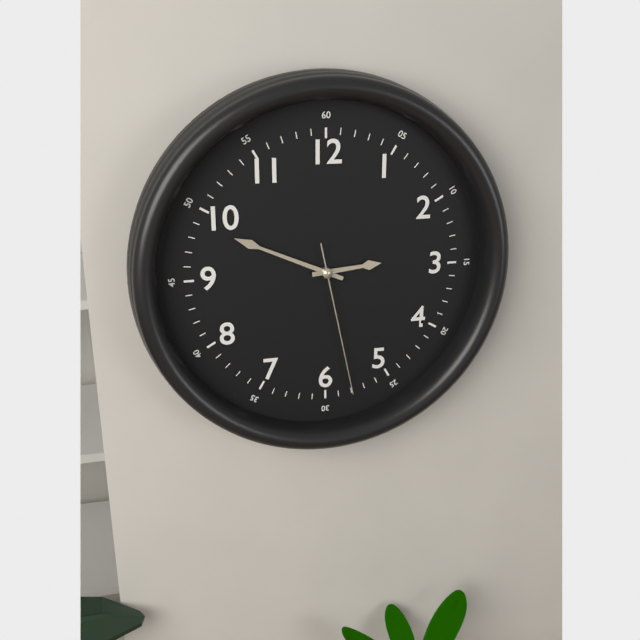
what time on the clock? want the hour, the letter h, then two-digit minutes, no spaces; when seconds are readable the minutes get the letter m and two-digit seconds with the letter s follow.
2h49m28s
